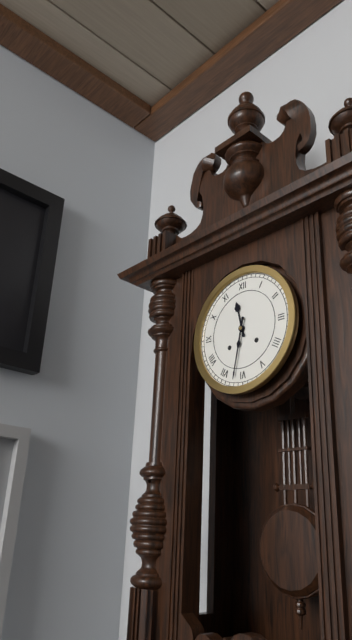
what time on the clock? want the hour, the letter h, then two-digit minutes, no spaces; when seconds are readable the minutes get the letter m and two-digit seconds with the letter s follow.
11h32
